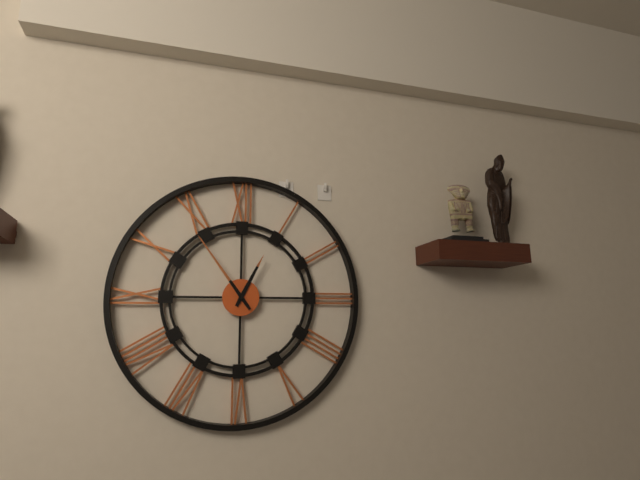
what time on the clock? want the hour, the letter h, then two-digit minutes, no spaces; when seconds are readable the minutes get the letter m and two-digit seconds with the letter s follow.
12h54
